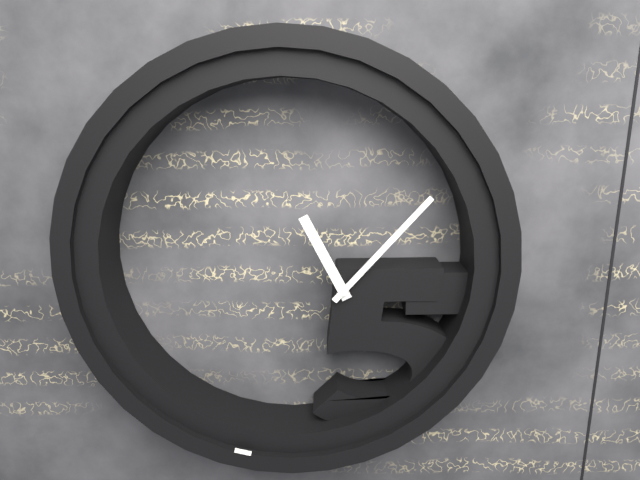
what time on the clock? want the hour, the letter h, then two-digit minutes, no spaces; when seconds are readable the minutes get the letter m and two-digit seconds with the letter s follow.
11h07
